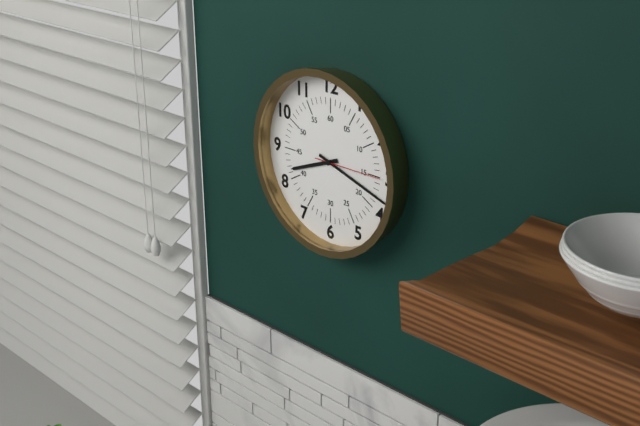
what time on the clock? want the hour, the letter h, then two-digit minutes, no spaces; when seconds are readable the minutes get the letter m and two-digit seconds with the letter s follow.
8h18m15s
